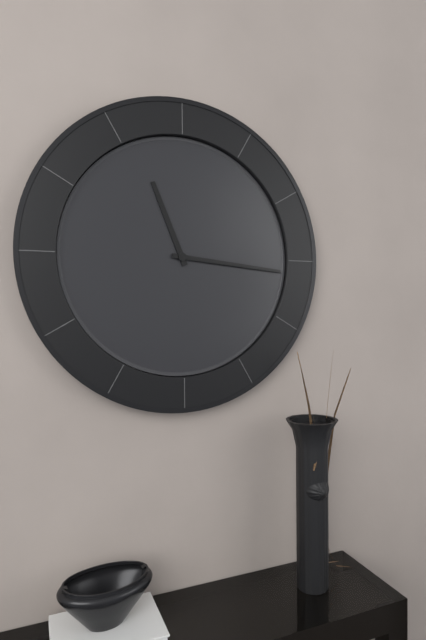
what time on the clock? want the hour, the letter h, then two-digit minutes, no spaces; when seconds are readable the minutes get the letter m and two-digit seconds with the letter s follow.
11h16
